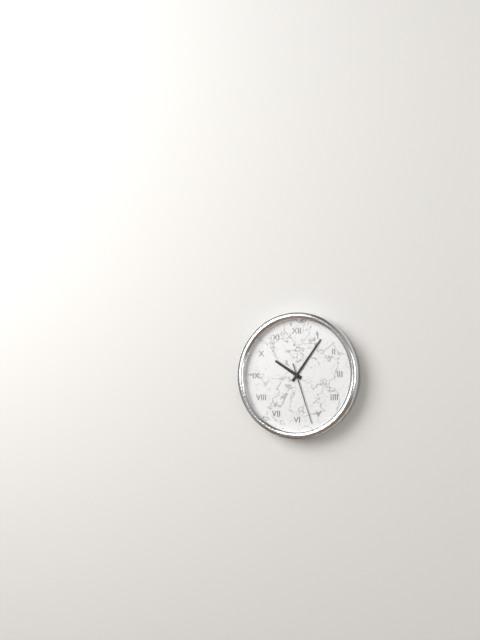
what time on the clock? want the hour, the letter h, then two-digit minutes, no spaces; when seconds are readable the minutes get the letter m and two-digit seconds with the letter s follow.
10h06m27s
